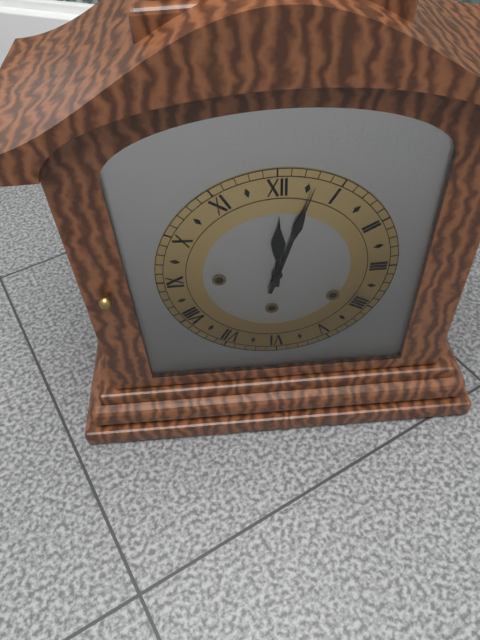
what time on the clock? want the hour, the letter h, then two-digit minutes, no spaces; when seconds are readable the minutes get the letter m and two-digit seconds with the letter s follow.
12h03
